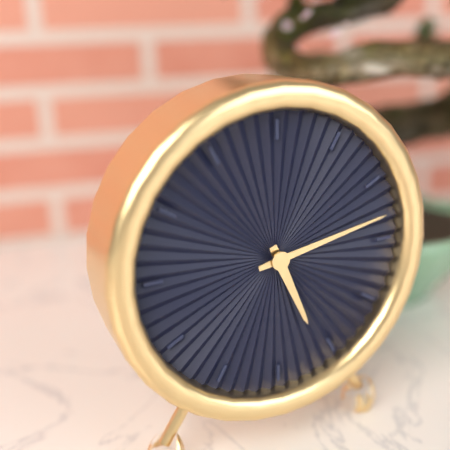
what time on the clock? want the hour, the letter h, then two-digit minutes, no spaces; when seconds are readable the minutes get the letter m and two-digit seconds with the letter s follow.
5h13
